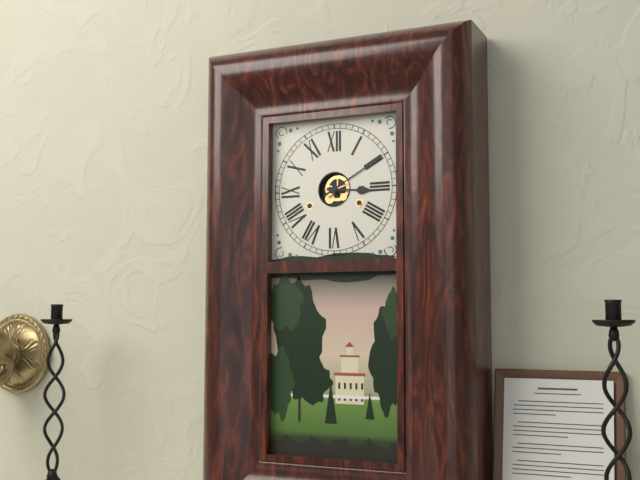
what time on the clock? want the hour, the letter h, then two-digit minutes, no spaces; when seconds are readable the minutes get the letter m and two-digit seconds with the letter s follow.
3h10
